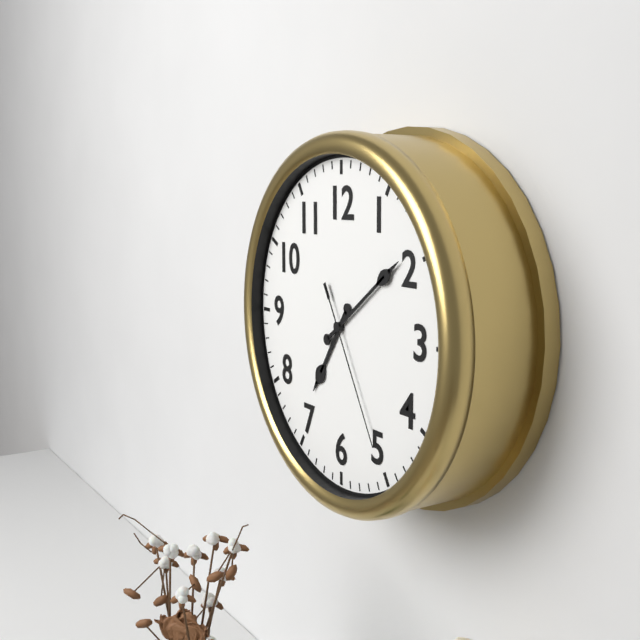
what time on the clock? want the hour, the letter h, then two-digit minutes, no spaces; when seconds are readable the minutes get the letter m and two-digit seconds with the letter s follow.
7h09m25s
